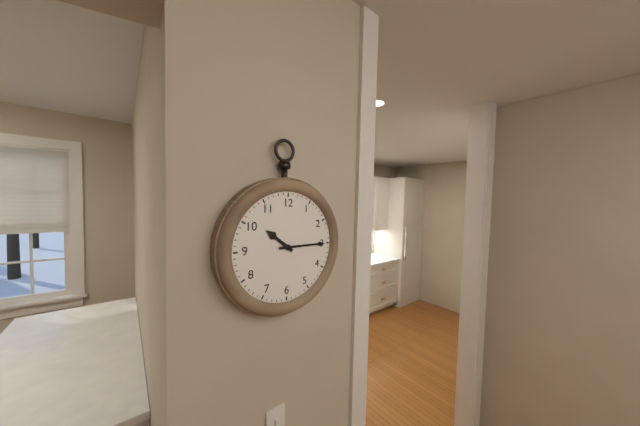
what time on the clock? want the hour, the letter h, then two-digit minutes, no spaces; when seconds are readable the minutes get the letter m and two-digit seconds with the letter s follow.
10h15
